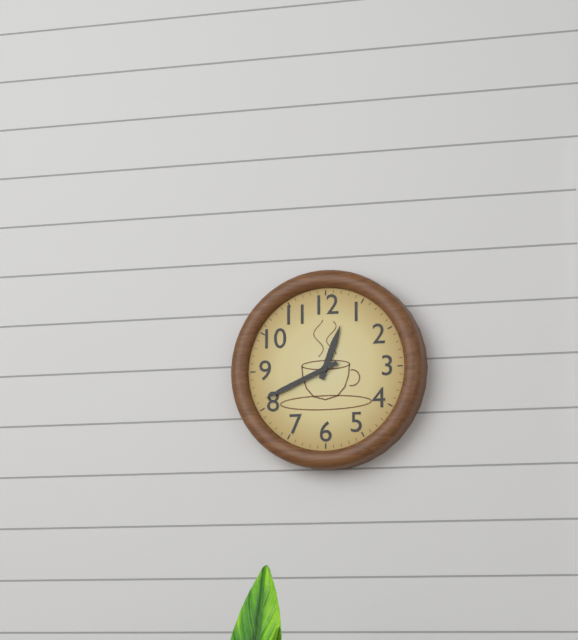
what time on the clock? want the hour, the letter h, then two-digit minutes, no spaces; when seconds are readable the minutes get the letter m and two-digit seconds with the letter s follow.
12h41
